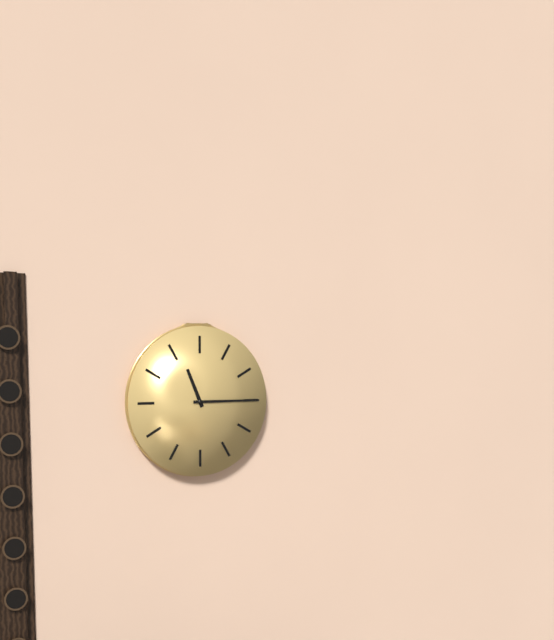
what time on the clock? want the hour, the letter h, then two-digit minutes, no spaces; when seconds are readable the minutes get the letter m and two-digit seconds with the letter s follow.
11h15
